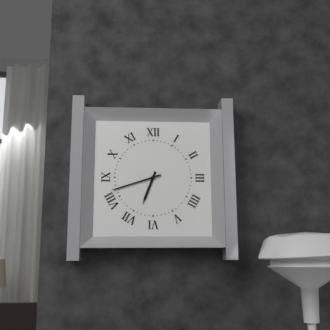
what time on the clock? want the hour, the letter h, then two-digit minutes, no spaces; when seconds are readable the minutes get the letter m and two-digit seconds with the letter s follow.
6h42
